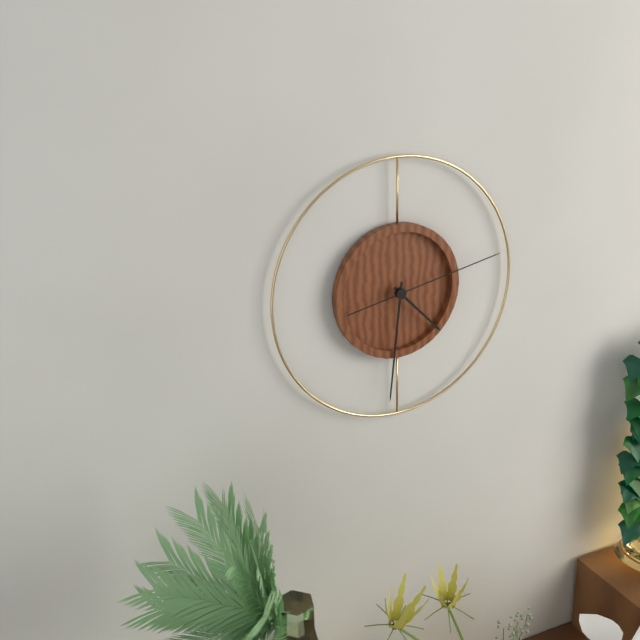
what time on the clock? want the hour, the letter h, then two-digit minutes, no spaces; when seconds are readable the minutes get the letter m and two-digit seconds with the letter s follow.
4h31m13s
